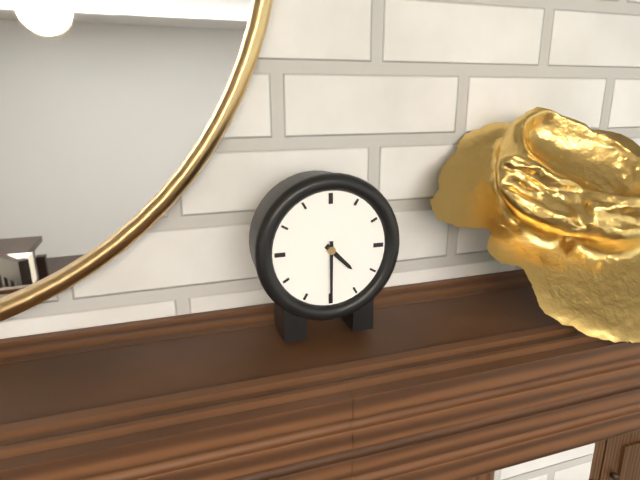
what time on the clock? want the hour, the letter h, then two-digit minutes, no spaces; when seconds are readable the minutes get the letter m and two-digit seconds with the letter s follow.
4h30
